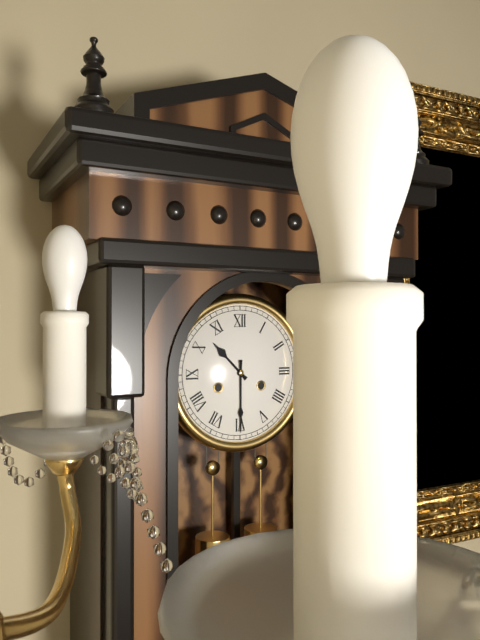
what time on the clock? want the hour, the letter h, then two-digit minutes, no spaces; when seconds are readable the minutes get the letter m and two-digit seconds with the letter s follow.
10h30
